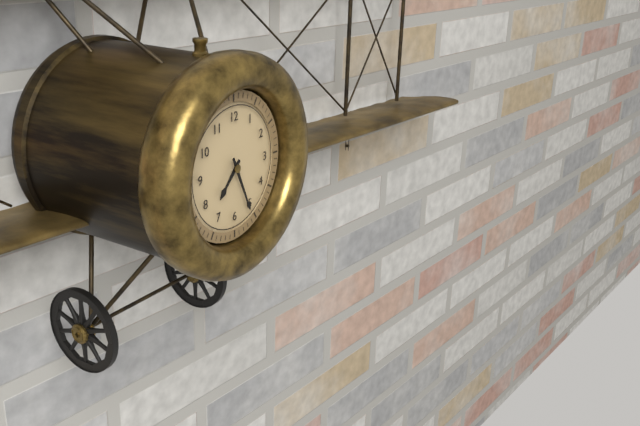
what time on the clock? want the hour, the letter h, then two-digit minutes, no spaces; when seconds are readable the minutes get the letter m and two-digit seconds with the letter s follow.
7h26
